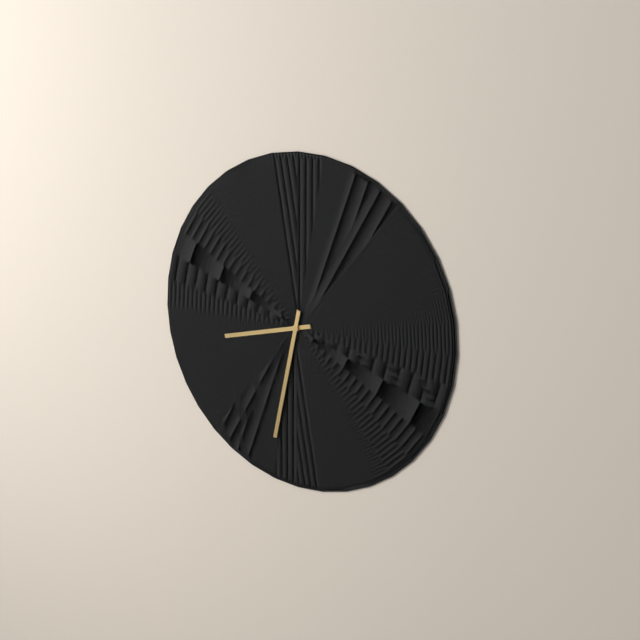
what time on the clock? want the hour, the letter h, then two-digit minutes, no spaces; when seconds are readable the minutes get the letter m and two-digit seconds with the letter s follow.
8h32
